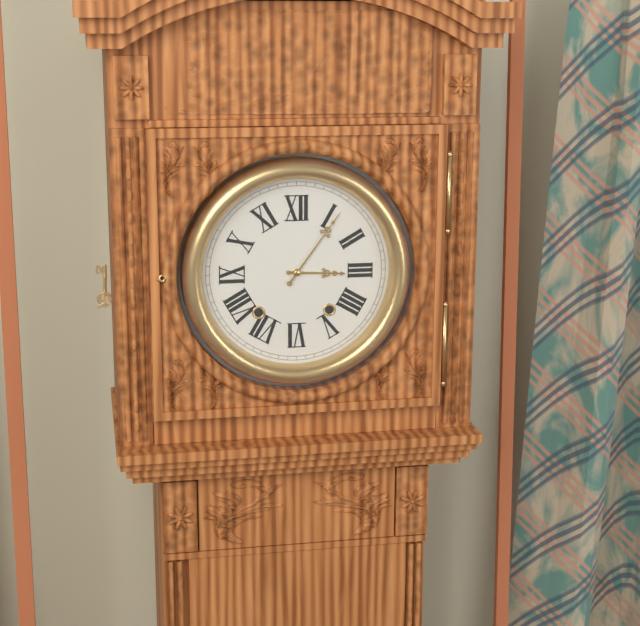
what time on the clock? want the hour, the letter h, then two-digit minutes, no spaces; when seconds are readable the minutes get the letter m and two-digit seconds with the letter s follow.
3h06
